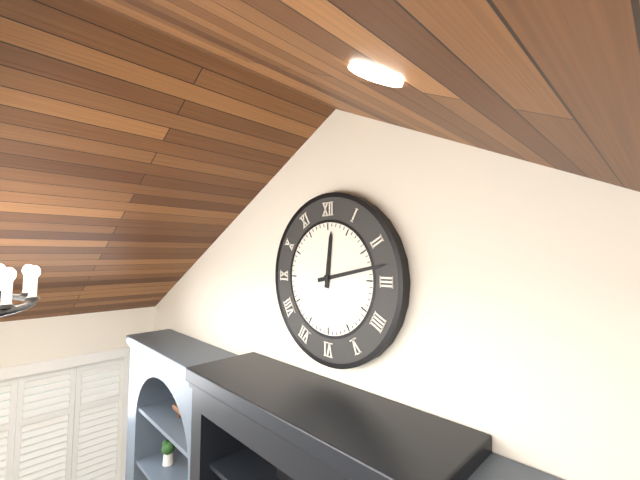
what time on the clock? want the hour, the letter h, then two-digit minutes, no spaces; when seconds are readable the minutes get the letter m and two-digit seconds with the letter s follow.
12h13
